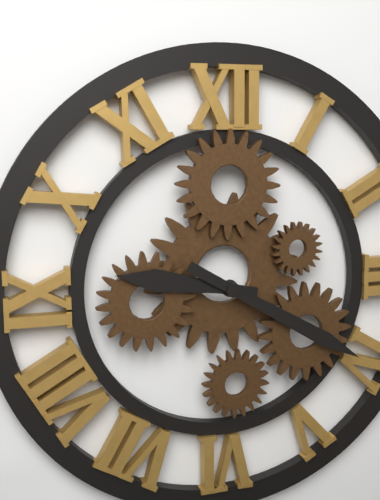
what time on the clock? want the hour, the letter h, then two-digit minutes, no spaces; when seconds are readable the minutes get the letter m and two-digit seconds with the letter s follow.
9h20
